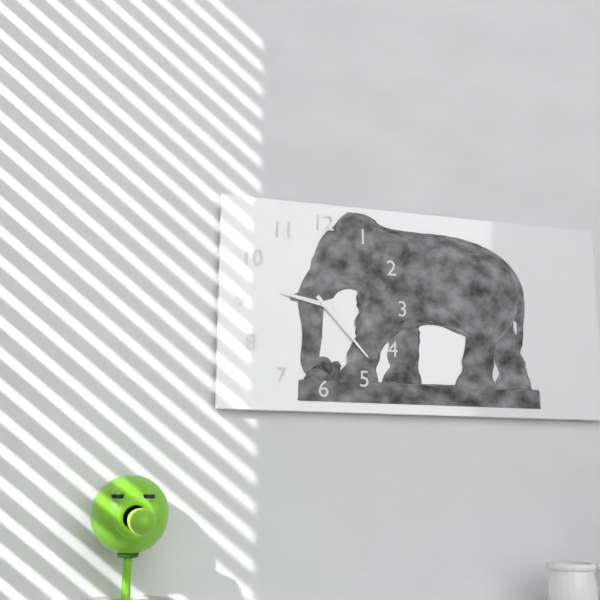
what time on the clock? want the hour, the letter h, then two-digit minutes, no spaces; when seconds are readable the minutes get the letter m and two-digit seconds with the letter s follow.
9h23
